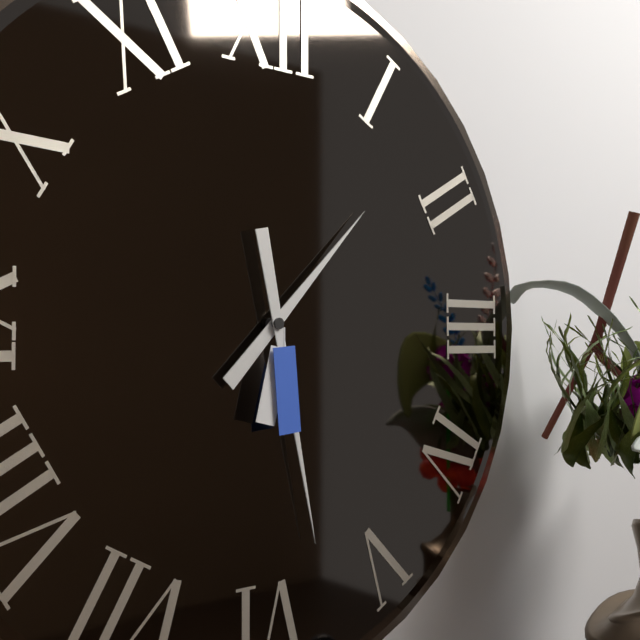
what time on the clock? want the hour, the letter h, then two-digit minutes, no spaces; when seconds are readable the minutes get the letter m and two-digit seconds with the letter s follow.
1h28
